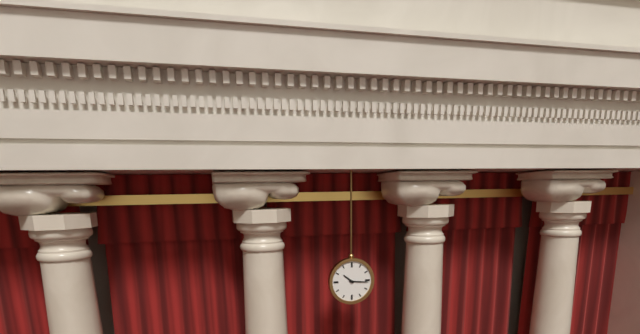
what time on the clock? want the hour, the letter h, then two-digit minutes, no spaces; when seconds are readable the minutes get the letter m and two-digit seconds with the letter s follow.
10h16
